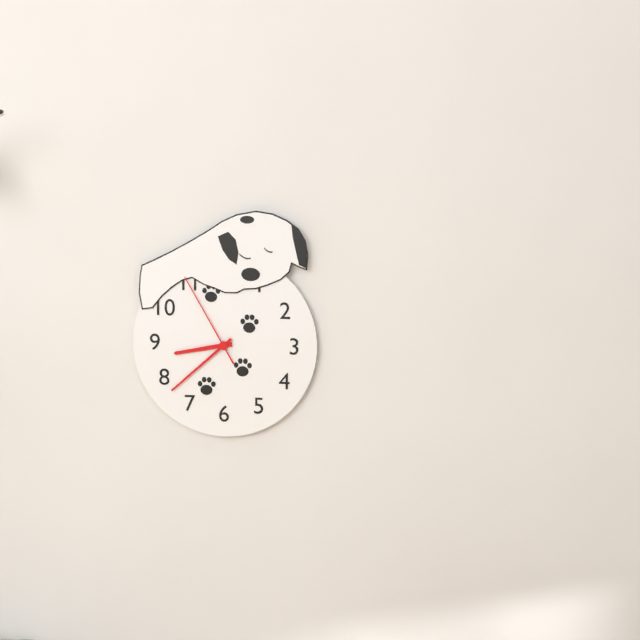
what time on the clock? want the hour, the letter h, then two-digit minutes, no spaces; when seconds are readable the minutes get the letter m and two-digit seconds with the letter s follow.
8h38m55s
